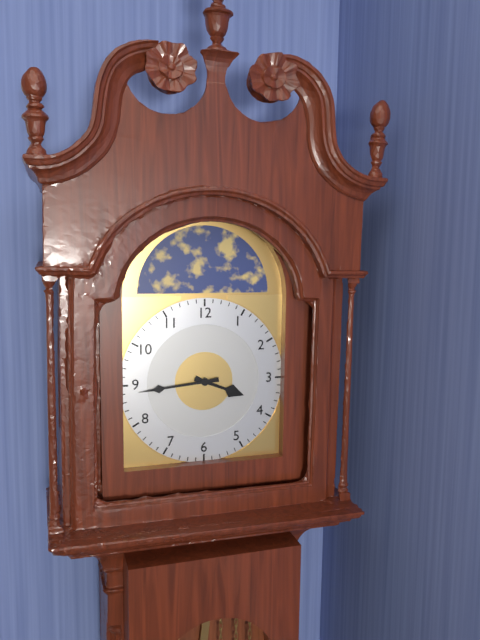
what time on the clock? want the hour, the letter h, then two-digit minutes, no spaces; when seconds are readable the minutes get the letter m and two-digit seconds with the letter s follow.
3h44
